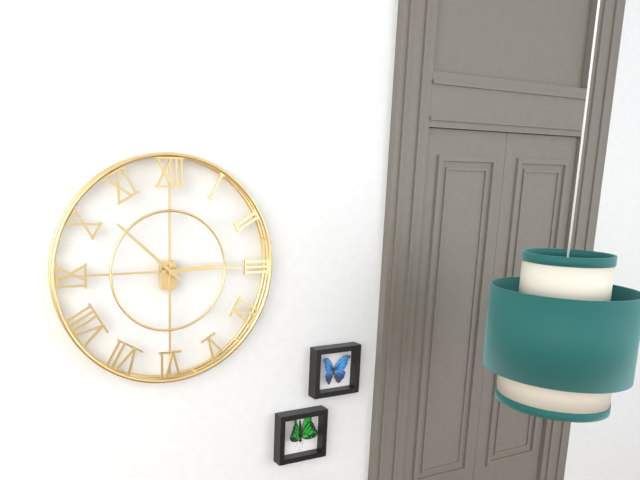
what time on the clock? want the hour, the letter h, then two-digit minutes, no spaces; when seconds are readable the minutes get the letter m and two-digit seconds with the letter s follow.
2h52
